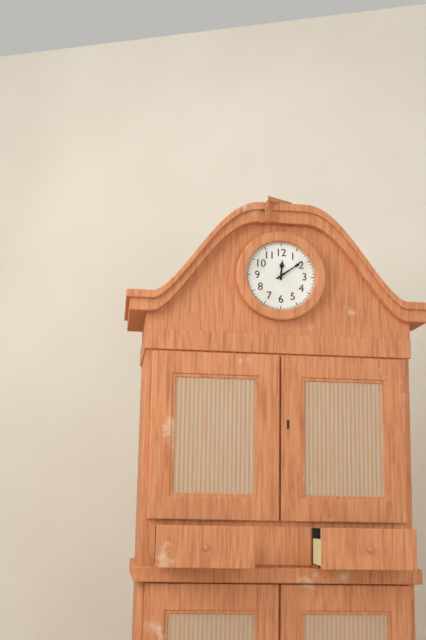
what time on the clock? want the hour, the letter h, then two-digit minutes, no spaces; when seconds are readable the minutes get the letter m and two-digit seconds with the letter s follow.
12h09
